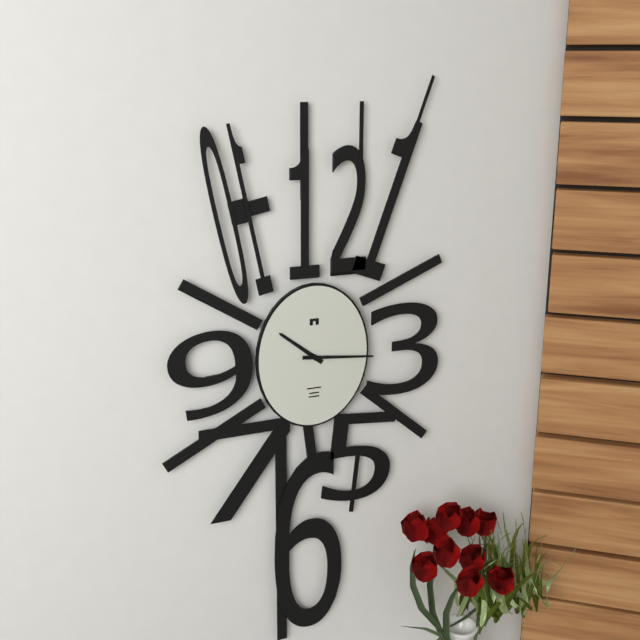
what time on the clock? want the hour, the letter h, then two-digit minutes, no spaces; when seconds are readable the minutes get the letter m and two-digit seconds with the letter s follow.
10h16
